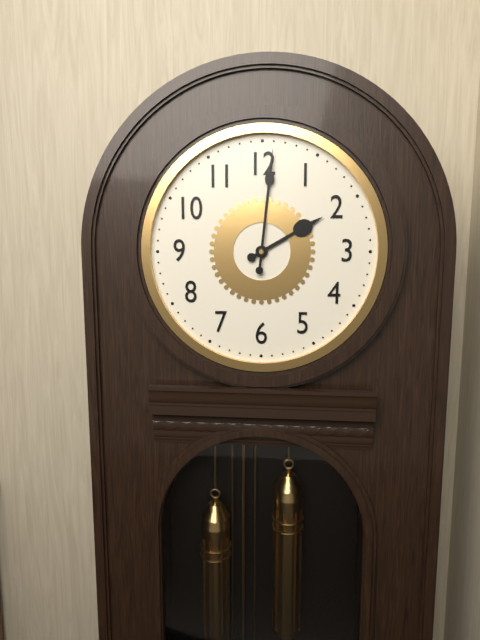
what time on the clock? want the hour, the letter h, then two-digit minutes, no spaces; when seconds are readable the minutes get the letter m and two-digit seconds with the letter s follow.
2h01
